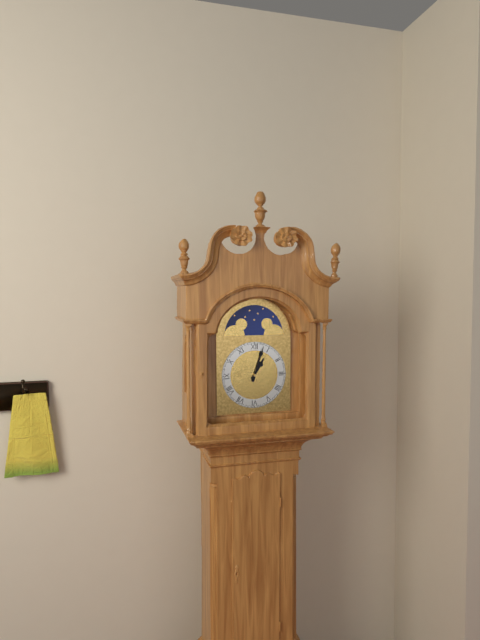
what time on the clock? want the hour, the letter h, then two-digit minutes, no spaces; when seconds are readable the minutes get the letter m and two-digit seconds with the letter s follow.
1h03
